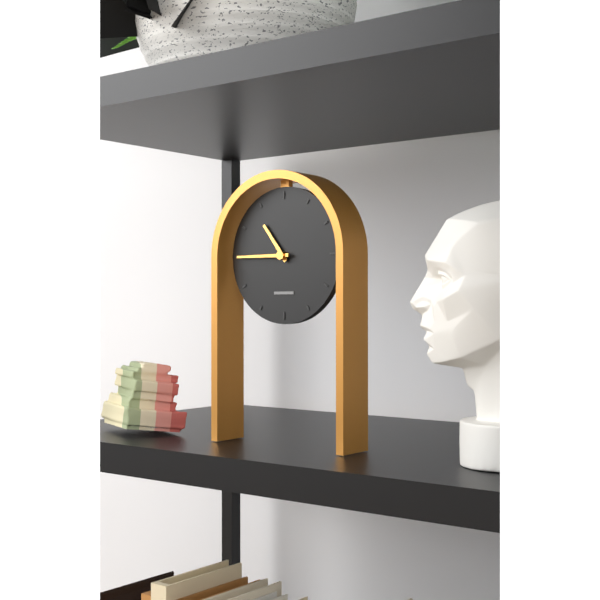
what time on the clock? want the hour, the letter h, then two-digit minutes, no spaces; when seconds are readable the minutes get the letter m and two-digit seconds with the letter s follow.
10h45
